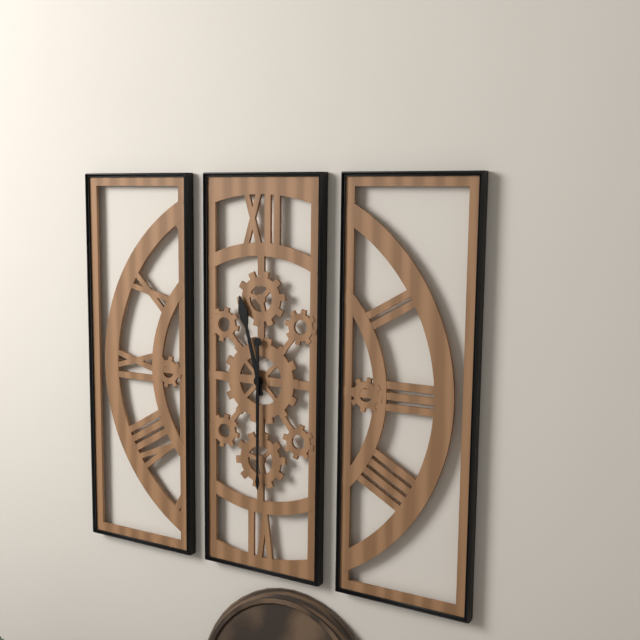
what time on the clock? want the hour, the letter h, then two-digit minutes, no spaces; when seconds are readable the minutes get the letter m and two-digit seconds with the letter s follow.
11h30
